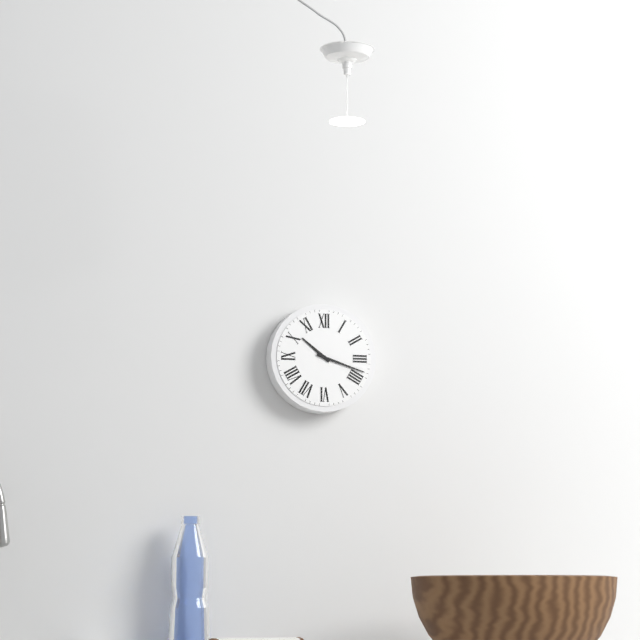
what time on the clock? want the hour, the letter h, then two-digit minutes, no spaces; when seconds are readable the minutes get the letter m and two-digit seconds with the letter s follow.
10h18
